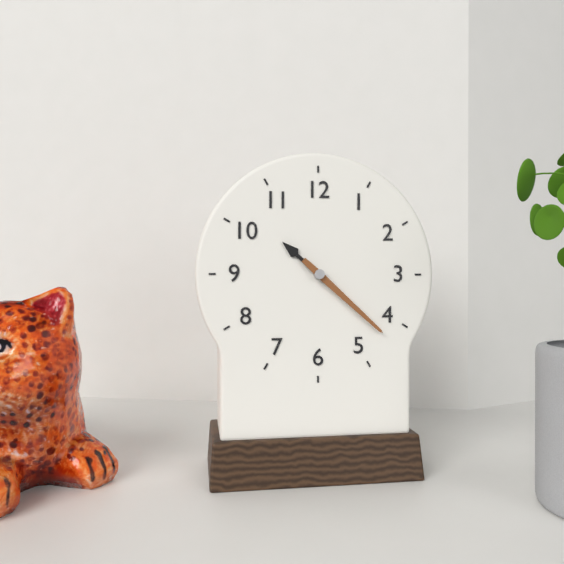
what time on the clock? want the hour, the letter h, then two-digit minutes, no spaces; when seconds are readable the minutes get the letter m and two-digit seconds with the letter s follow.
10h22
